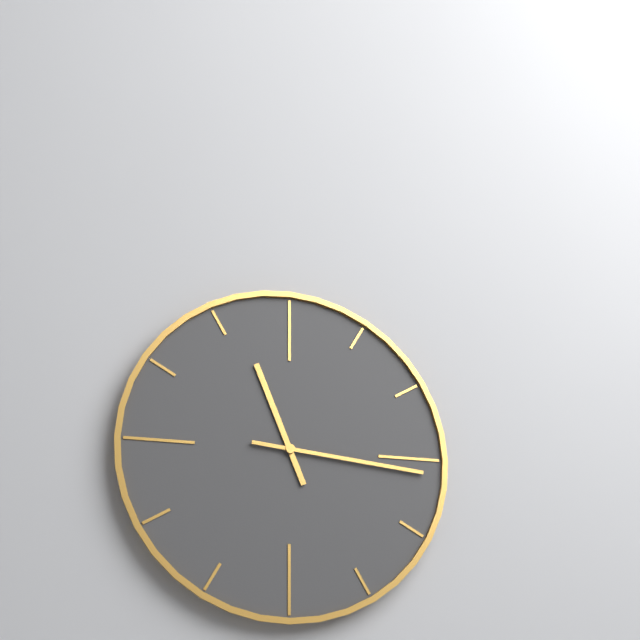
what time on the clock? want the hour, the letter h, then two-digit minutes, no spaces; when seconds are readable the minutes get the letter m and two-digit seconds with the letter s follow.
11h16
